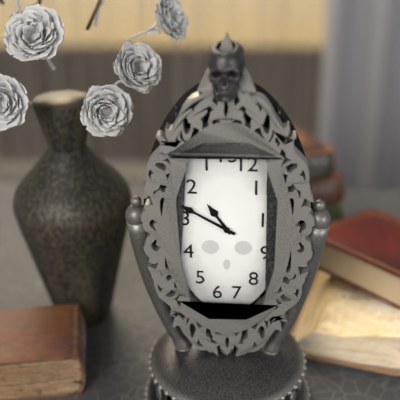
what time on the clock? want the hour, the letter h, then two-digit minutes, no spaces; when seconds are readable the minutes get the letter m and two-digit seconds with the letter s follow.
10h50
